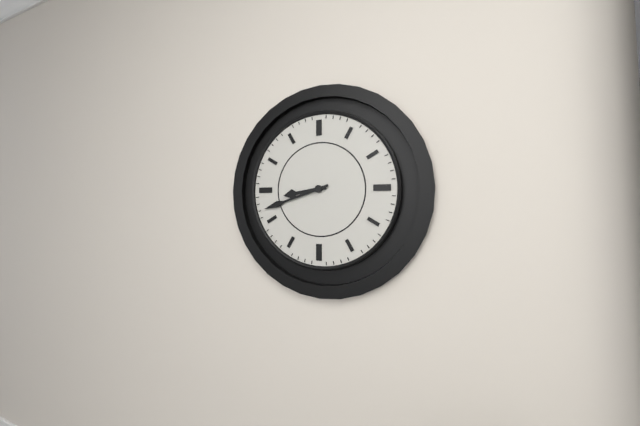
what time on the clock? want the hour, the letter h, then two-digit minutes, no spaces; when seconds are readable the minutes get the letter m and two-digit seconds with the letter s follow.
8h42
